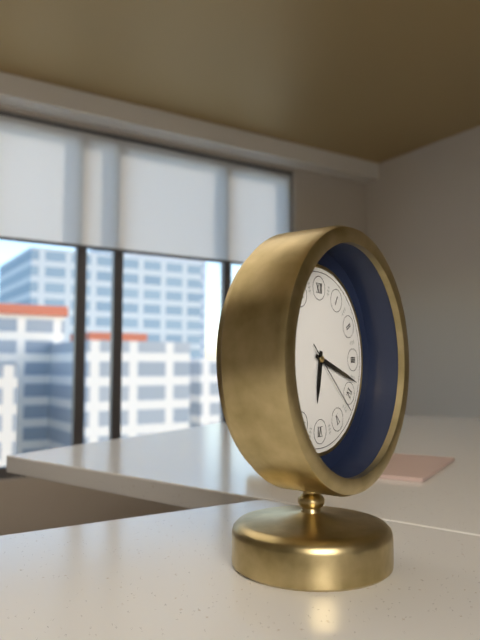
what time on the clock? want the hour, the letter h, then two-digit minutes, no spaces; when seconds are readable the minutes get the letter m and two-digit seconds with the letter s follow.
6h18m22s
